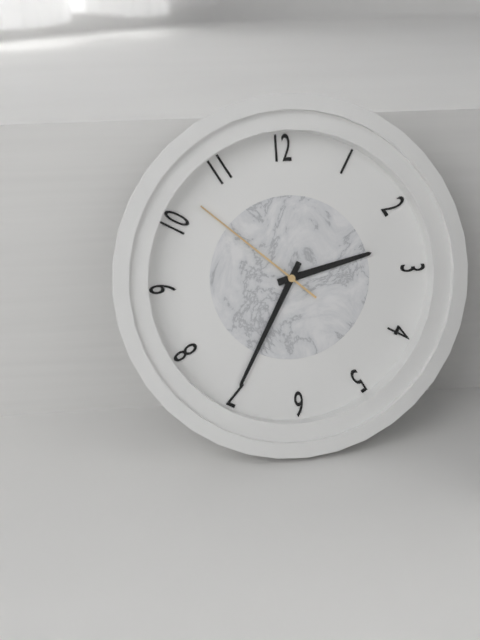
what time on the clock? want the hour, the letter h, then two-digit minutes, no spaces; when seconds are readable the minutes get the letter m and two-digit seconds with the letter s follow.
2h35m52s
